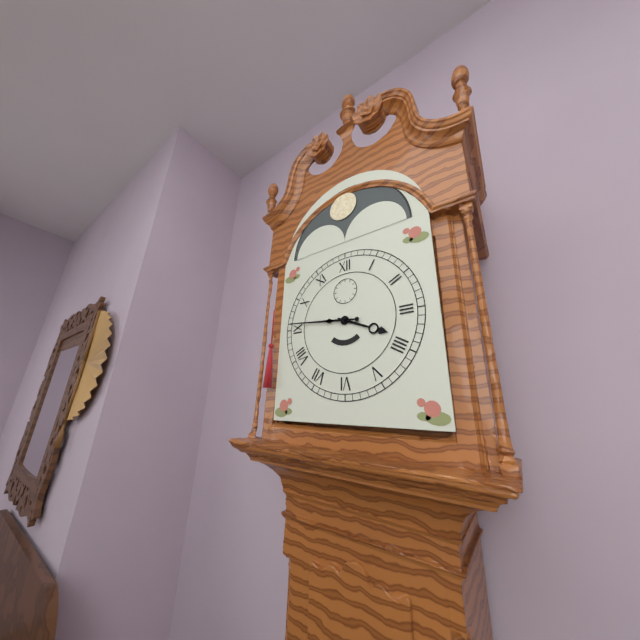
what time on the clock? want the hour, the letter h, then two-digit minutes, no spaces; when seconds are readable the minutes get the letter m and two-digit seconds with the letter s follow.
3h46
